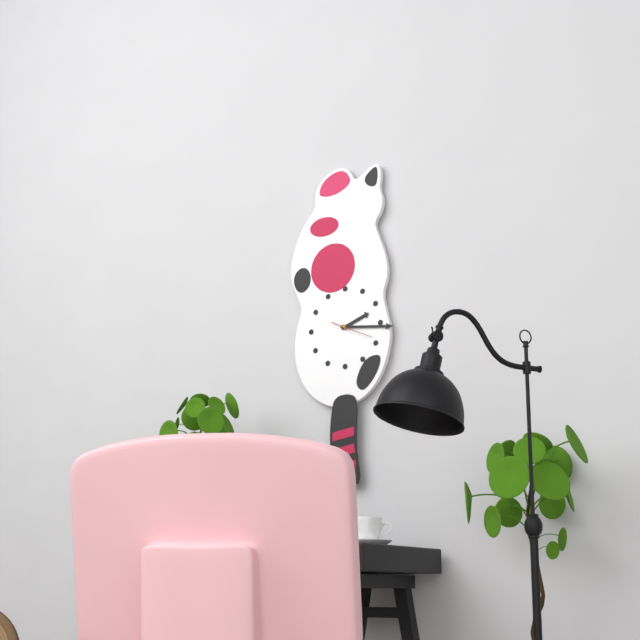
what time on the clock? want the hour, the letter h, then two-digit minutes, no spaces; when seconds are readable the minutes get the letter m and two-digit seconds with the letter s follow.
2h16
